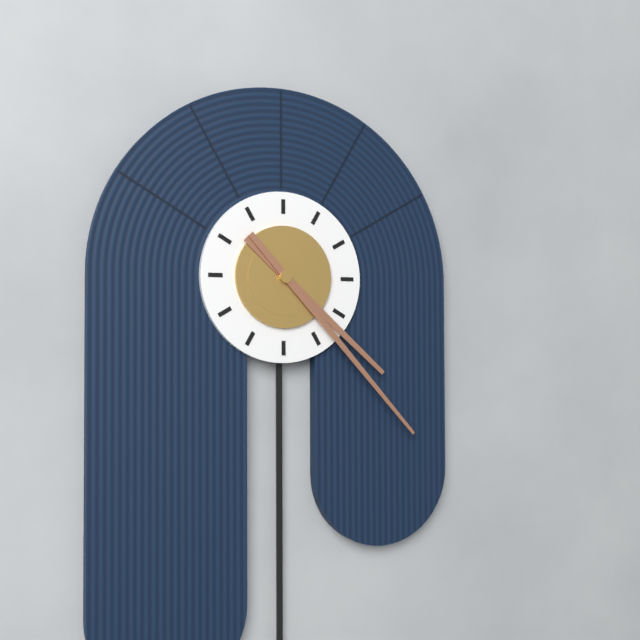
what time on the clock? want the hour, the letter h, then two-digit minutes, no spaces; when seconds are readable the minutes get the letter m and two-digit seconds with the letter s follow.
4h23
